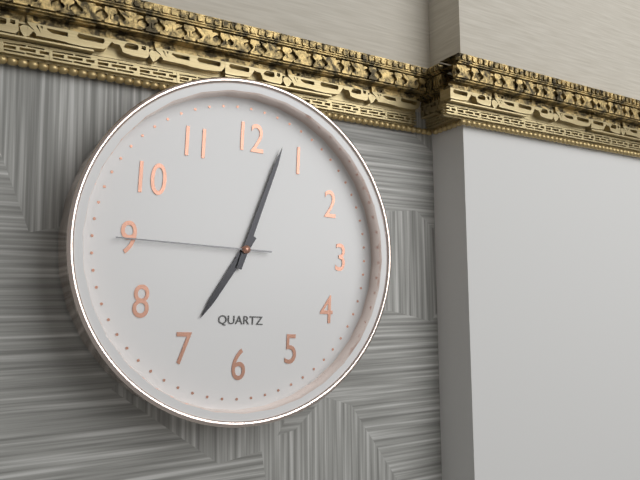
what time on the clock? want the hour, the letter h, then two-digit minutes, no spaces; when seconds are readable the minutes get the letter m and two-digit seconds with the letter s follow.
7h03m45s
